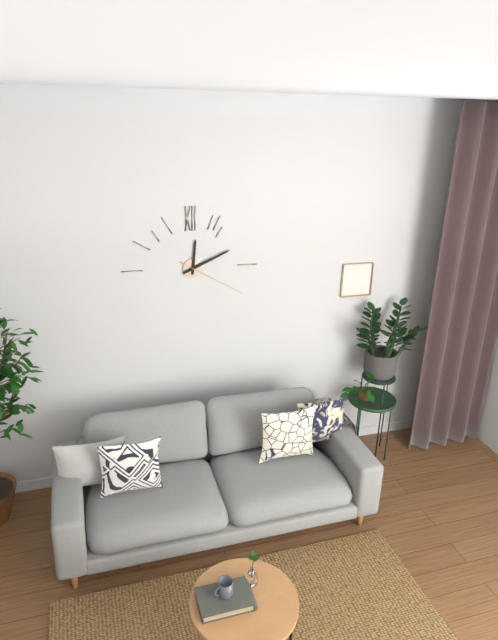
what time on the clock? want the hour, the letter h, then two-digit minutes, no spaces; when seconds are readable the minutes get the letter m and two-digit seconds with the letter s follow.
12h11m20s
